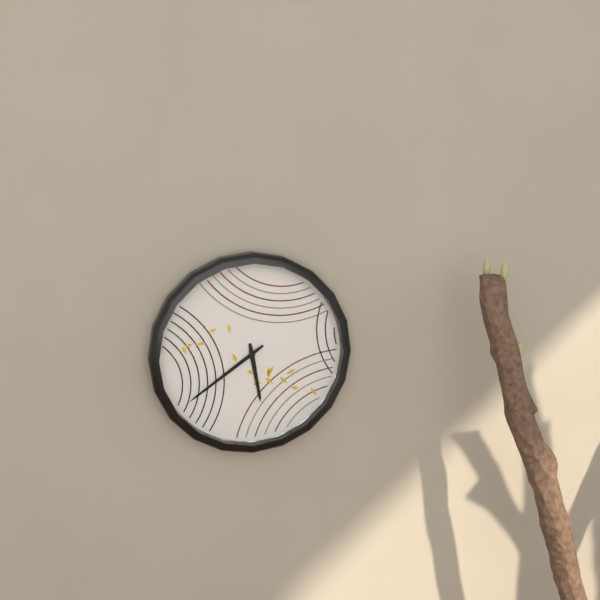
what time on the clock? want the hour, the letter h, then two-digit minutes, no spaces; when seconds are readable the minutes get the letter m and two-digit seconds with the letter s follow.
5h39
